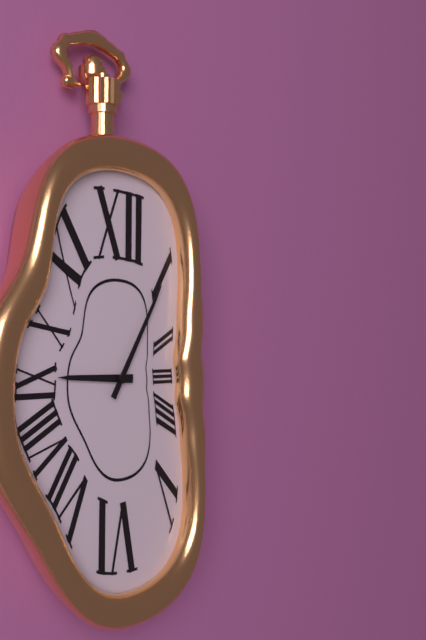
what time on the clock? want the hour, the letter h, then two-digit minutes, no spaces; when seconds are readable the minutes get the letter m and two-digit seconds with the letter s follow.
9h05
